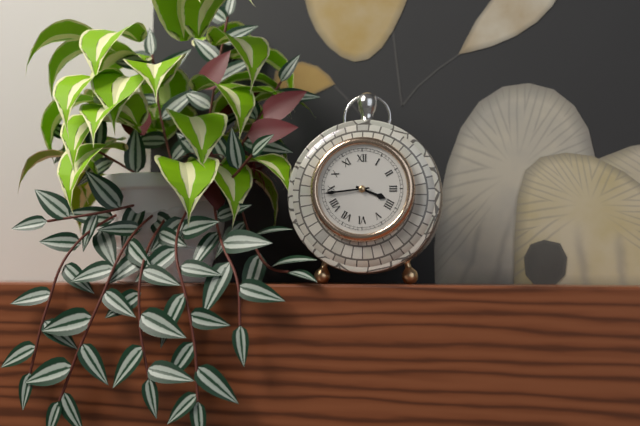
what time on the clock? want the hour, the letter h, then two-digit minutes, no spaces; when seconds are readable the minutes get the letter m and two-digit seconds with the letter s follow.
3h44
